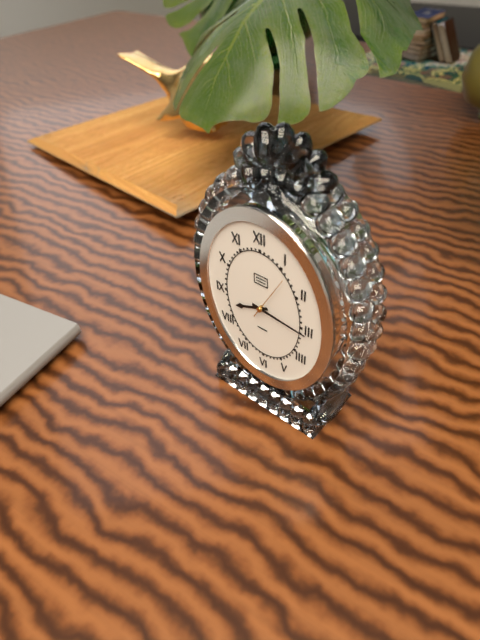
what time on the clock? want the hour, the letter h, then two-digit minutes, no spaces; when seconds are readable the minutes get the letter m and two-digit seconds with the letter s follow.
8h16
